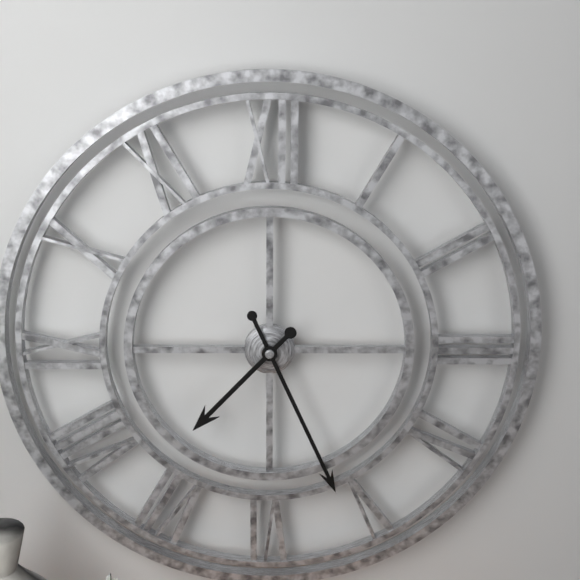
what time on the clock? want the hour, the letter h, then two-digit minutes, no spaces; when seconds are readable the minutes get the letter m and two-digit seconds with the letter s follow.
7h26
